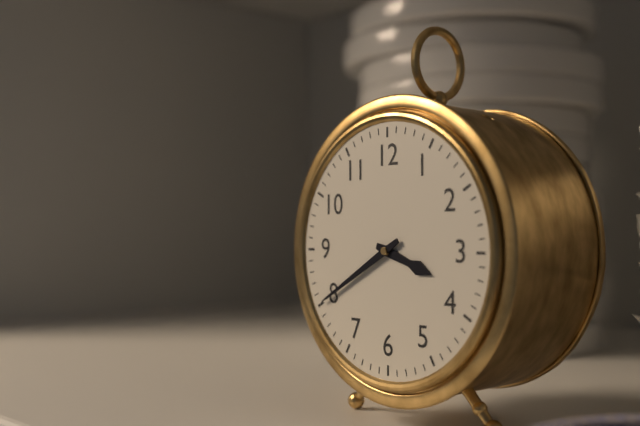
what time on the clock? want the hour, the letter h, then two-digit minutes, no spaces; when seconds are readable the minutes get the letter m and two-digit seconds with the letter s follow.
3h40
